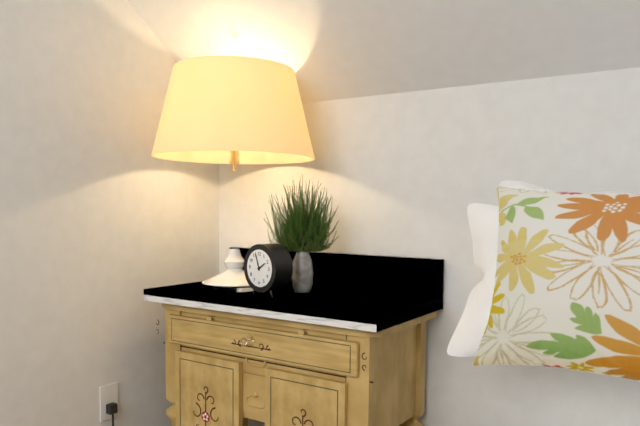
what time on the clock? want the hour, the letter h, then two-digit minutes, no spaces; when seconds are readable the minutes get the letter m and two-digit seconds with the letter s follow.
1h57
